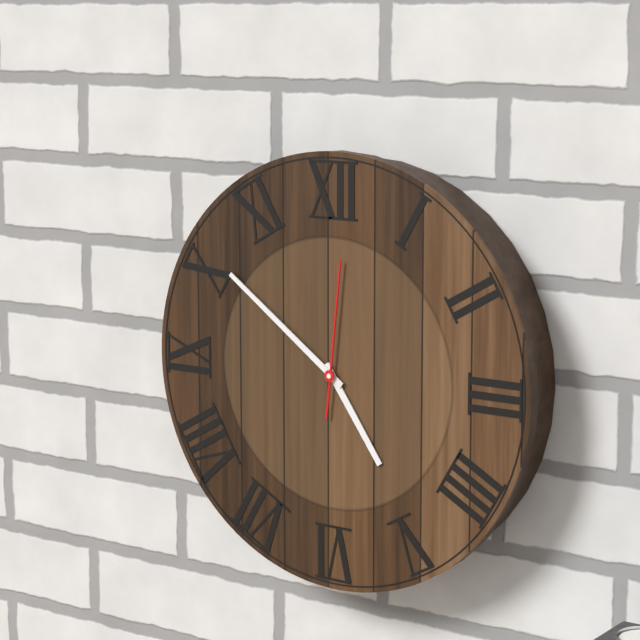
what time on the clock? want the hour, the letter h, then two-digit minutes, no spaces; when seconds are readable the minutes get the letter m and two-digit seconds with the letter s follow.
4h51m01s
